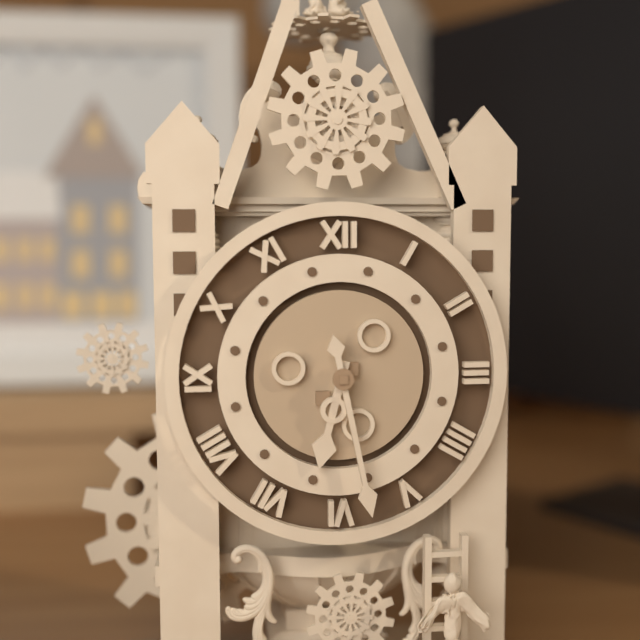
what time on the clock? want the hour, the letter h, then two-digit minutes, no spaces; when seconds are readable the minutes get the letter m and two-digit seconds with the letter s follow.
6h28
